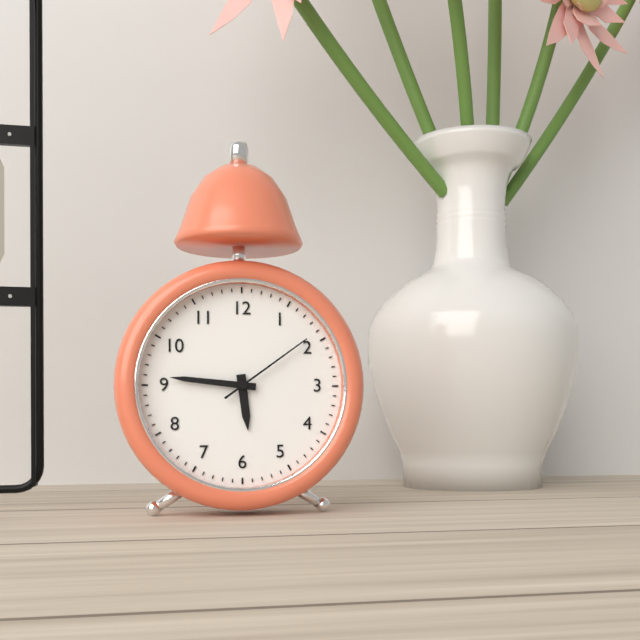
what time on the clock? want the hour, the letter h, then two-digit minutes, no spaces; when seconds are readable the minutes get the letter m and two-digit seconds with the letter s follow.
5h46m09s
